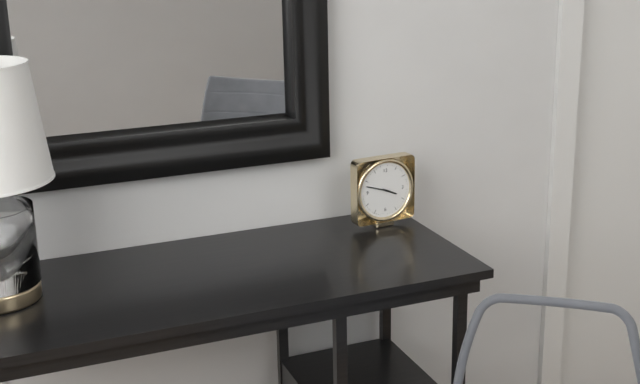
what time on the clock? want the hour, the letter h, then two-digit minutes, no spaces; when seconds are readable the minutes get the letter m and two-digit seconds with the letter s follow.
3h48
